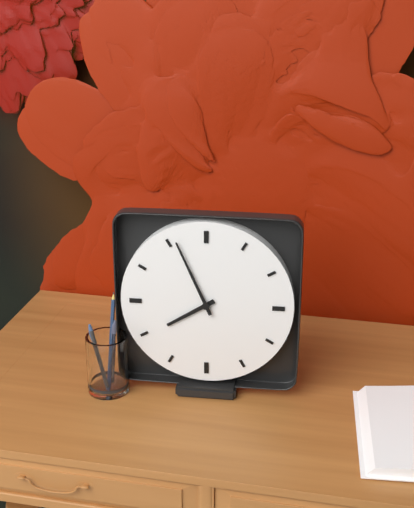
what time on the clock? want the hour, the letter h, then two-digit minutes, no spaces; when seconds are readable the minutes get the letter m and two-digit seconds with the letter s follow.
7h56
